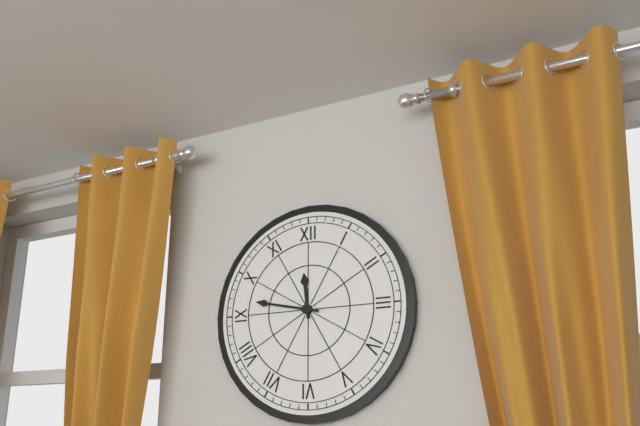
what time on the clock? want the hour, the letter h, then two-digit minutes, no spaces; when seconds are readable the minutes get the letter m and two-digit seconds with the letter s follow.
11h47
